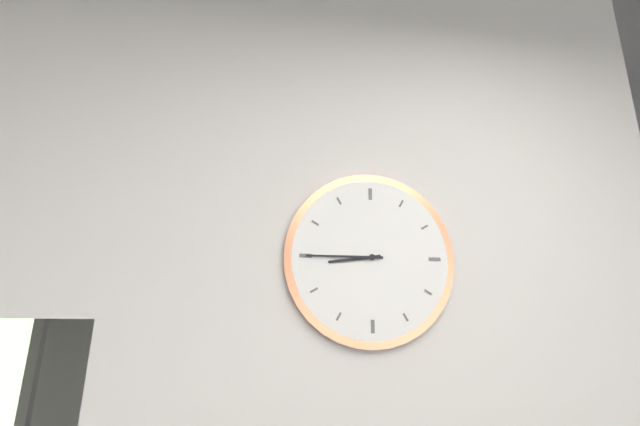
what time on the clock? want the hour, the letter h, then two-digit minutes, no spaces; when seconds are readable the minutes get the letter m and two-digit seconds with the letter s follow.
8h45
